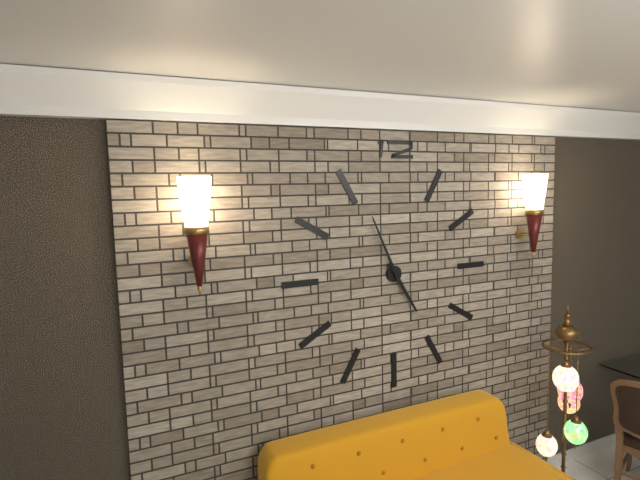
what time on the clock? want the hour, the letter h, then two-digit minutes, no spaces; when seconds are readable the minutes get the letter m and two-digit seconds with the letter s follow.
4h56
